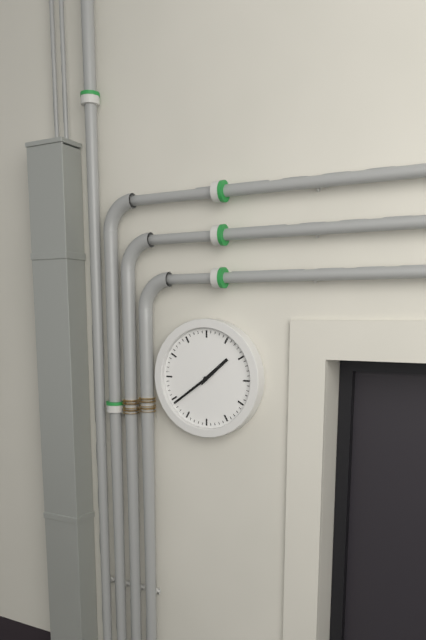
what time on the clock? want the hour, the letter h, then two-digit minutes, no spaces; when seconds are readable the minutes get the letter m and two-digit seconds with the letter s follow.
1h39
